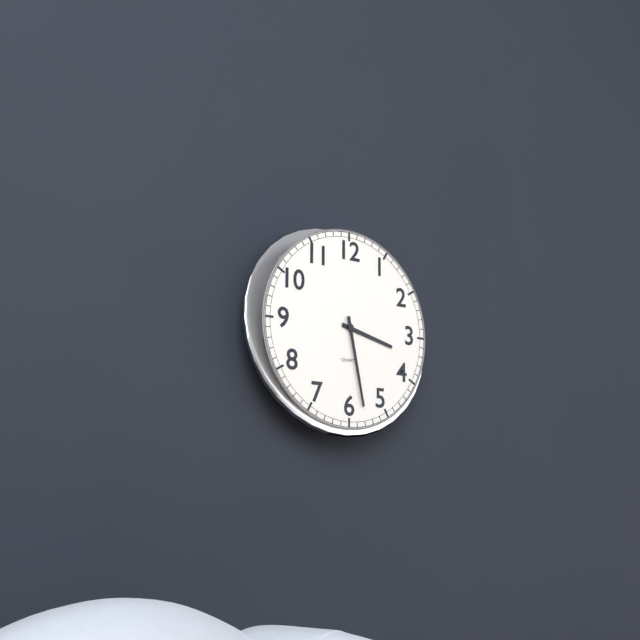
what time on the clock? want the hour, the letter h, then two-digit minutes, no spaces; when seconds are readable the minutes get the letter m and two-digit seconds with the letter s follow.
3h28
